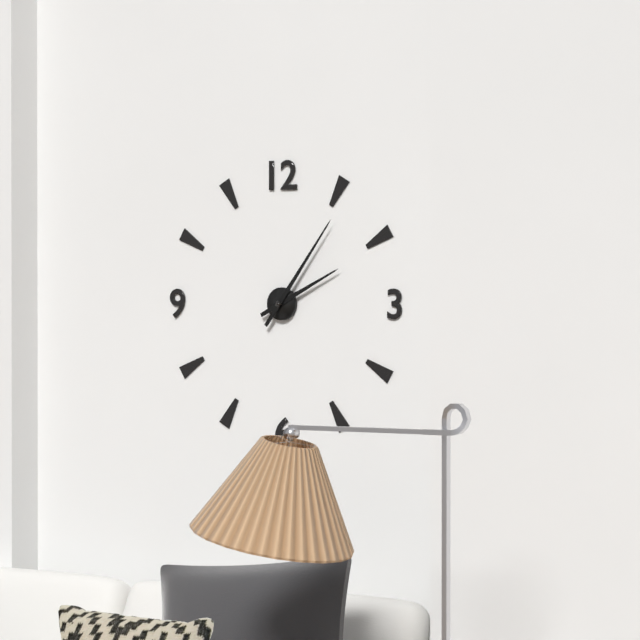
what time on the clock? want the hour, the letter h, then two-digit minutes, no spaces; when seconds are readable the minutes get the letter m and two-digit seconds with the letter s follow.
2h06
